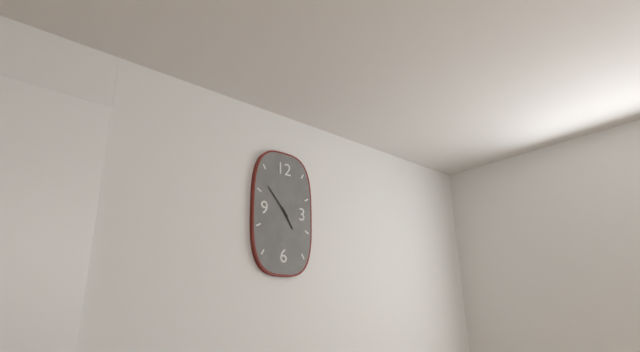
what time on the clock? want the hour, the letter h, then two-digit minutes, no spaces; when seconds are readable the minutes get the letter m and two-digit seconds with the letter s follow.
4h53
